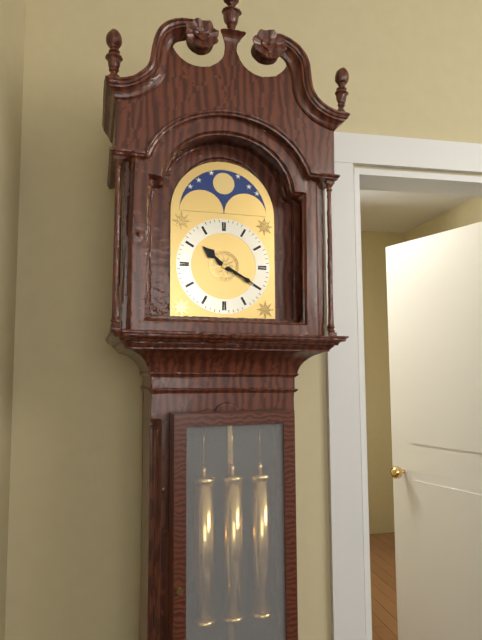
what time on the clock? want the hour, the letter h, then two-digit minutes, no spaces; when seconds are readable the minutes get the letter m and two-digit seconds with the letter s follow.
10h20
